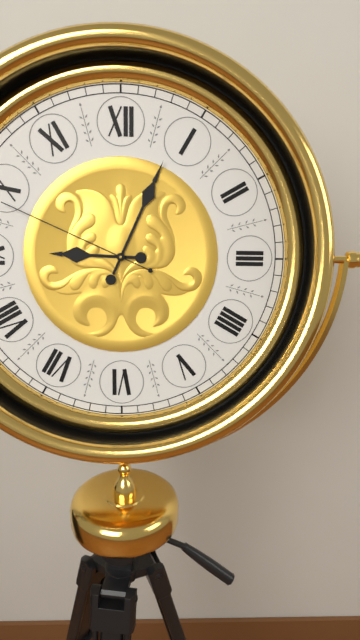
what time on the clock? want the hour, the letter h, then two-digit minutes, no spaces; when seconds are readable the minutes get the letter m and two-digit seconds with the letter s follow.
9h04m49s
